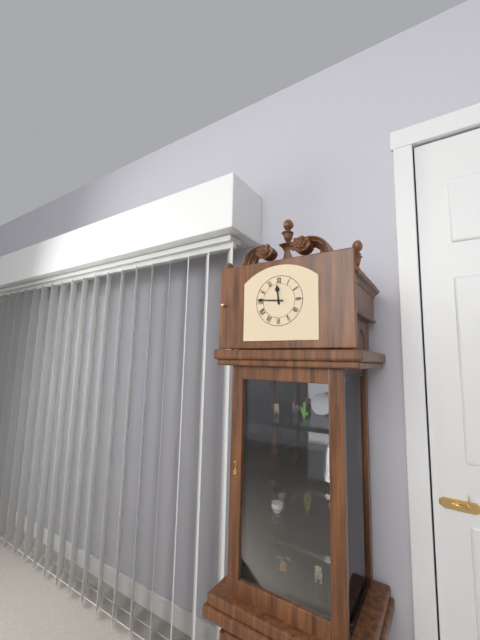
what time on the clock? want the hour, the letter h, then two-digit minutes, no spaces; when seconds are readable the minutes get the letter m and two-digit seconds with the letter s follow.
11h46
